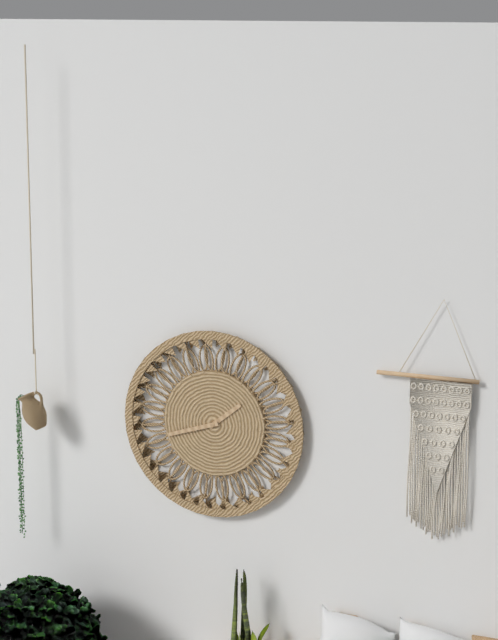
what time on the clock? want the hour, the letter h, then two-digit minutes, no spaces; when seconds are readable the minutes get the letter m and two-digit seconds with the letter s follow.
1h42
